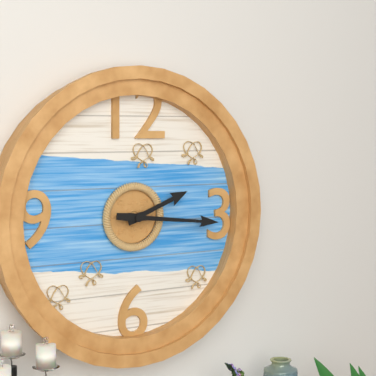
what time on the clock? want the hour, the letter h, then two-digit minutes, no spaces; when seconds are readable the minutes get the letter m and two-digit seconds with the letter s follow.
2h16
